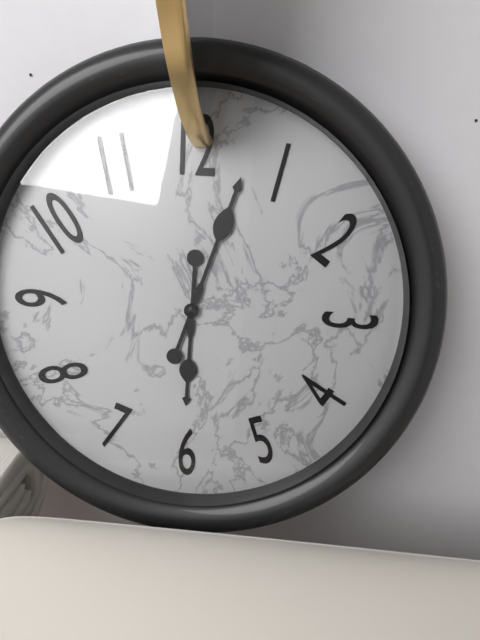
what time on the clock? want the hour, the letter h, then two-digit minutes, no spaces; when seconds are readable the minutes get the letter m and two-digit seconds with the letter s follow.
6h03
